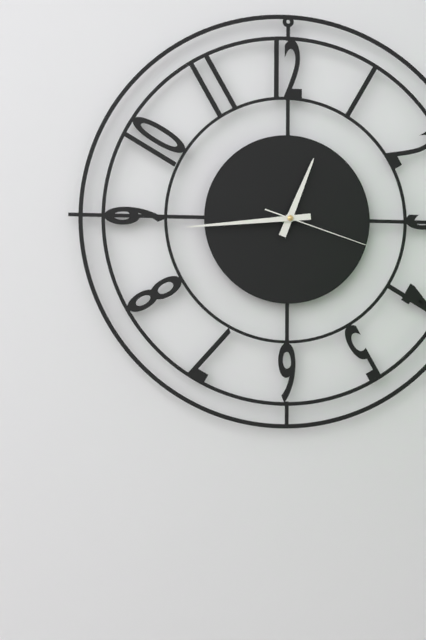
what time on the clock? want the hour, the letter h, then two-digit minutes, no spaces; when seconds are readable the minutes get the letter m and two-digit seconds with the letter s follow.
12h44m18s
